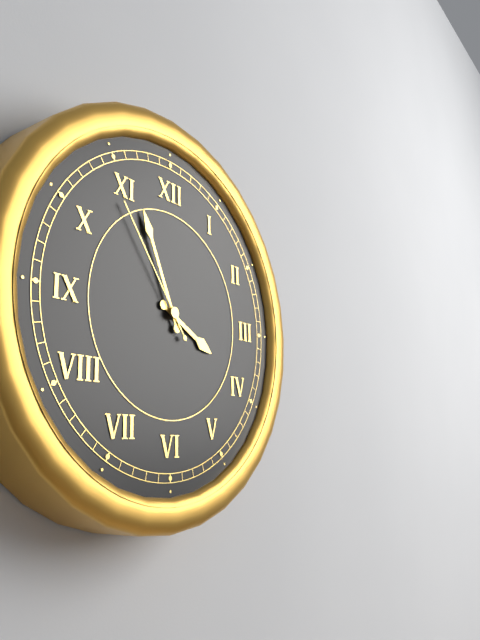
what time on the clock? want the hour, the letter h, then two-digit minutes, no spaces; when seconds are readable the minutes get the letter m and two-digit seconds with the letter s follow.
3h56m54s
